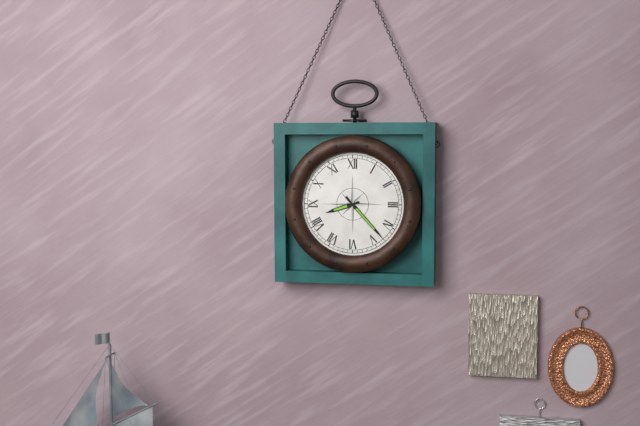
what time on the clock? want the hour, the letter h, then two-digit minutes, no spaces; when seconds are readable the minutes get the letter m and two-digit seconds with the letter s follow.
8h23
